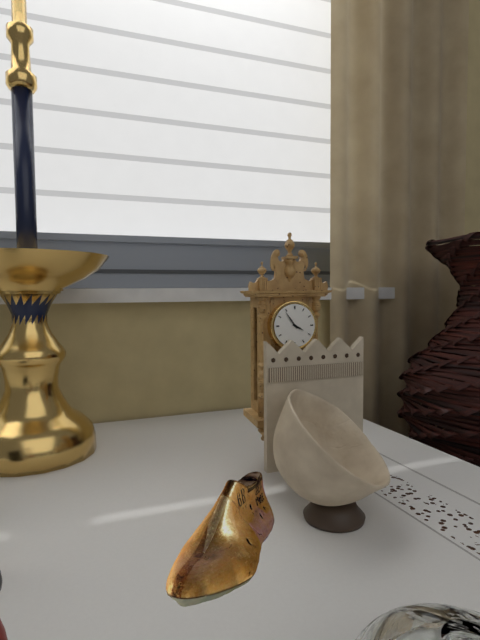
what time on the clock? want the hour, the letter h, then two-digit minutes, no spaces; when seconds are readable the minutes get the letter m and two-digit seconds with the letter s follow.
3h54
